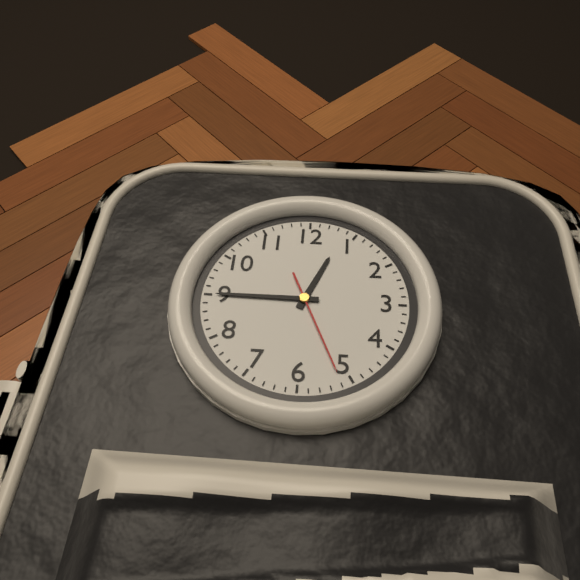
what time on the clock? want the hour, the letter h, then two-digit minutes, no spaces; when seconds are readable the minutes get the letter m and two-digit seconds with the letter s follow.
12h45m26s
